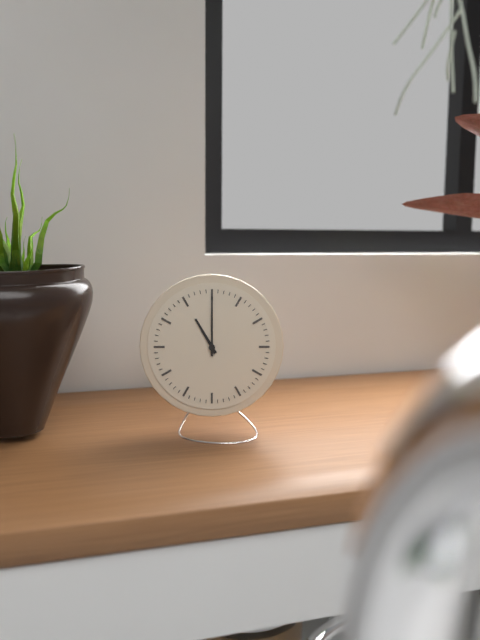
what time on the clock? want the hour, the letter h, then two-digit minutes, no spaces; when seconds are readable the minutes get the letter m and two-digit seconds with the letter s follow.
11h00
